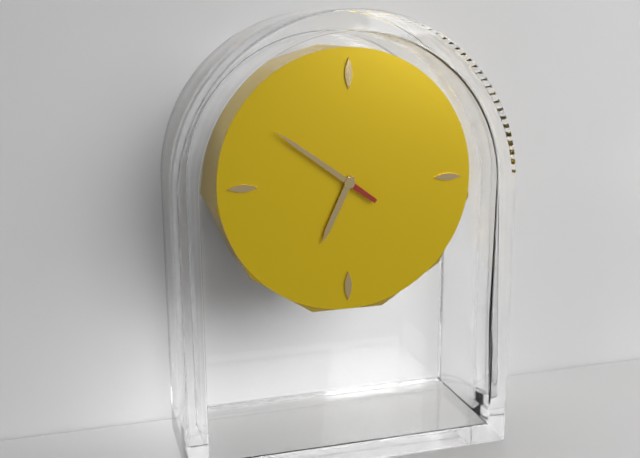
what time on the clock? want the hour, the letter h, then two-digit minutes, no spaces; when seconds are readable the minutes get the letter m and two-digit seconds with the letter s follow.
6h51
